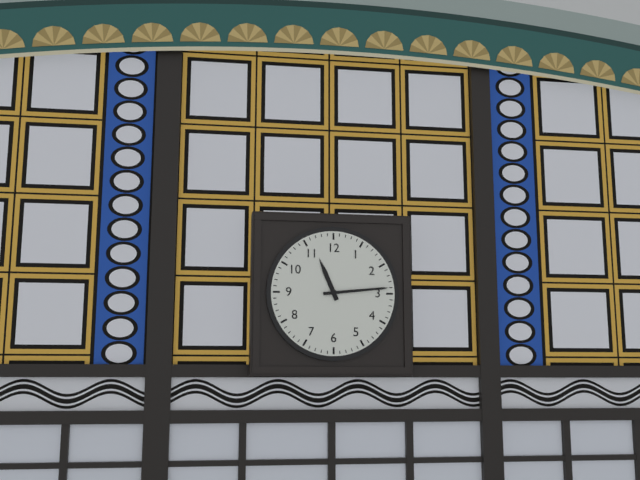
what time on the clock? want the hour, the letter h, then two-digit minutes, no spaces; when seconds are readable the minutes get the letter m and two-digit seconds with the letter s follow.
11h14
